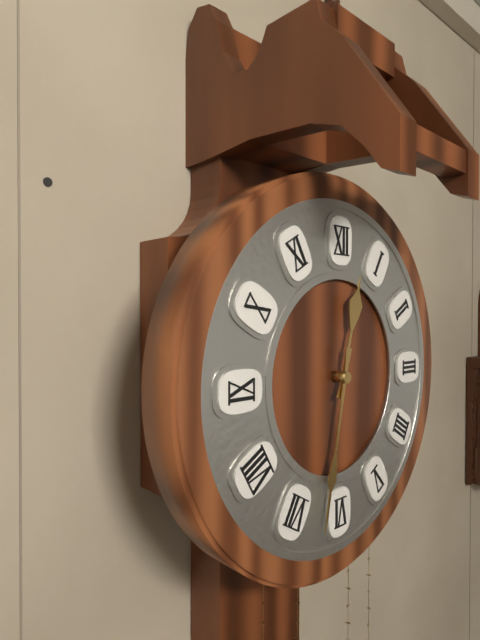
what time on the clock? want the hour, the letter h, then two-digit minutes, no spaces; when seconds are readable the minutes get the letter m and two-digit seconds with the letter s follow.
12h32
